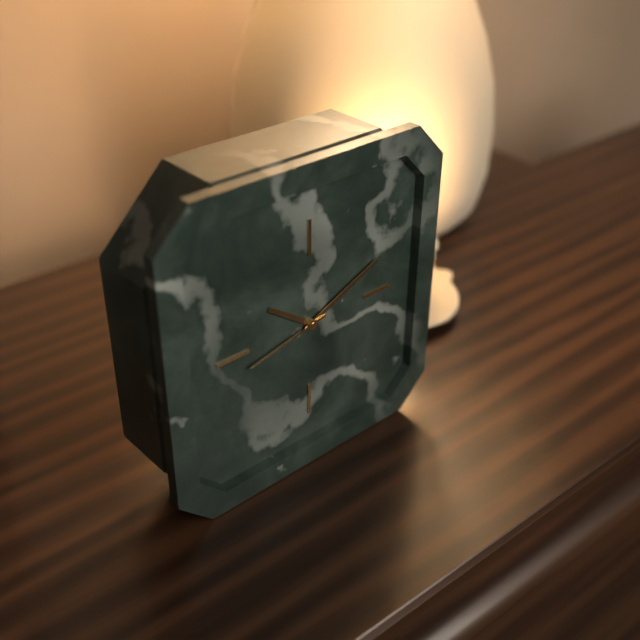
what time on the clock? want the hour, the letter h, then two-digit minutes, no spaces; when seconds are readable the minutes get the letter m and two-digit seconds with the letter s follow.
10h11m43s
